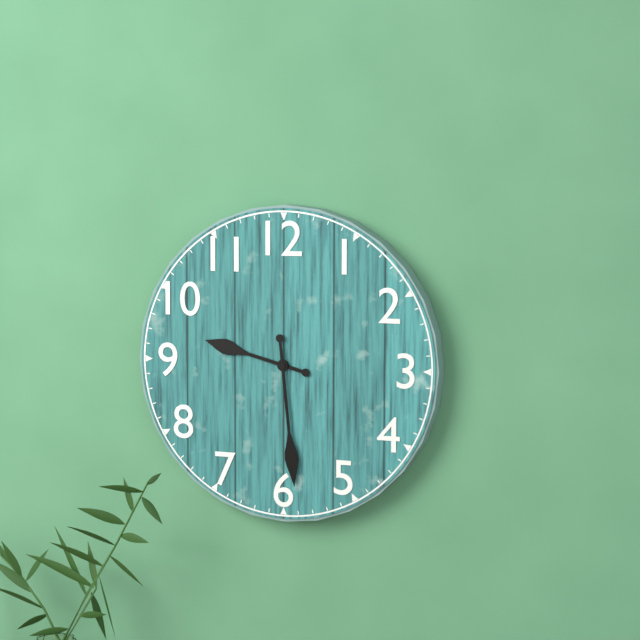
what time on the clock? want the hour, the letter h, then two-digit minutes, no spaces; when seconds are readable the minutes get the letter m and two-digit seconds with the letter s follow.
9h29
